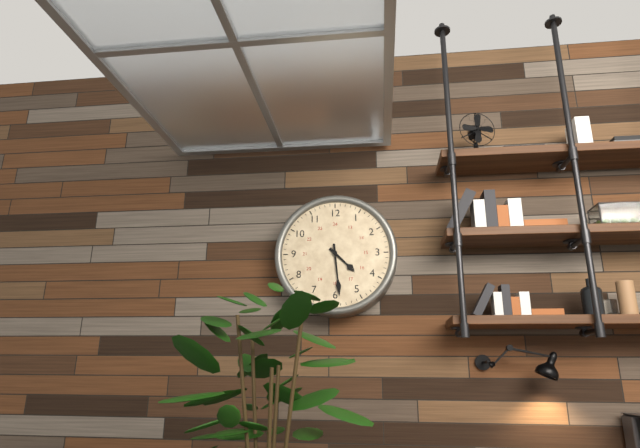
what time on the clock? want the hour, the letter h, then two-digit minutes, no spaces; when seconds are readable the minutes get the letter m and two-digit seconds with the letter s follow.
4h29
